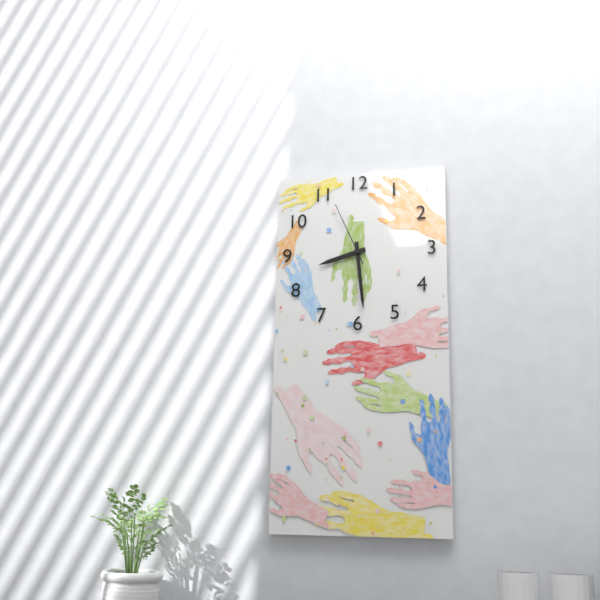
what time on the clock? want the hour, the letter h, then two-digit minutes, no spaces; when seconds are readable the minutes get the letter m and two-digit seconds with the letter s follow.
8h29m56s
